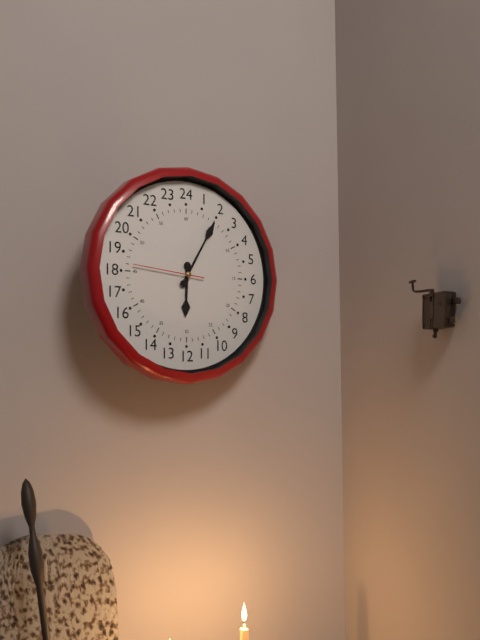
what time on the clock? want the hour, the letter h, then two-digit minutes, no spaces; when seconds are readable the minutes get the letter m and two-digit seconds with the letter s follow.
6h05m46s
